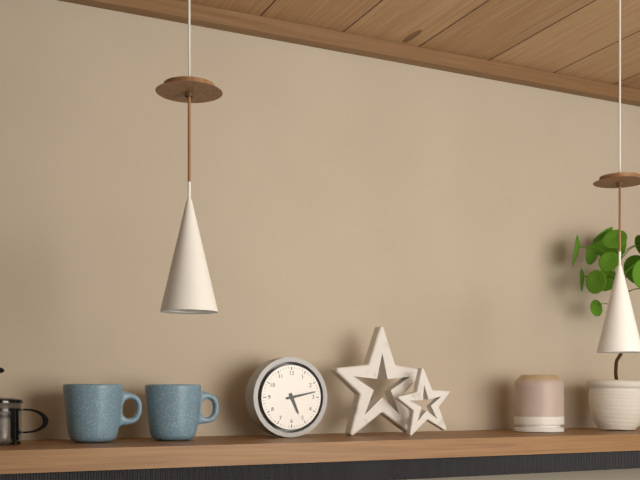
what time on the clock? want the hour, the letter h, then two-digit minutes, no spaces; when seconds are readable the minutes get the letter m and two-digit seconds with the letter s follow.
5h13
